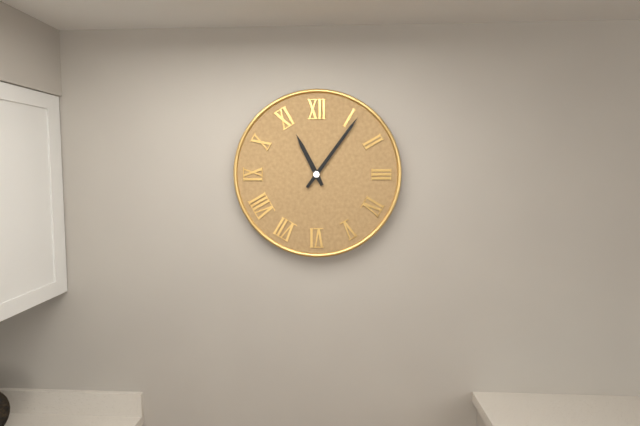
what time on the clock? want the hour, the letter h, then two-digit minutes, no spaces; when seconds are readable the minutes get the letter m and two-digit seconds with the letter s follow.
11h06
